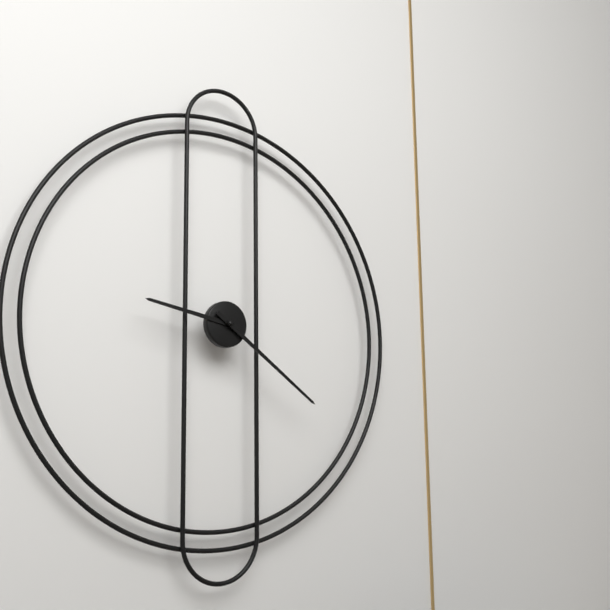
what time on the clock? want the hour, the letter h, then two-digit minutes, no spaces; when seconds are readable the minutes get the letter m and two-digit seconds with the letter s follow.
9h21
